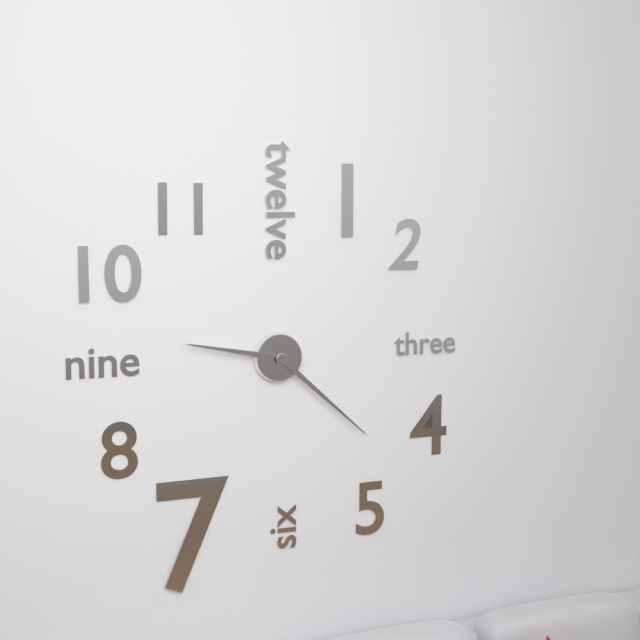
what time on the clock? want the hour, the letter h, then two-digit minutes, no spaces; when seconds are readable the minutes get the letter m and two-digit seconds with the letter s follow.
9h22
